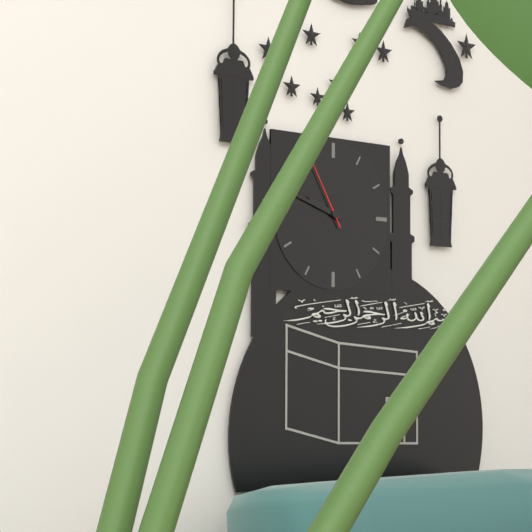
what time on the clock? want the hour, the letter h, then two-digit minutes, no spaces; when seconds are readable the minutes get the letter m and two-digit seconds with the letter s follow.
9h48m55s
